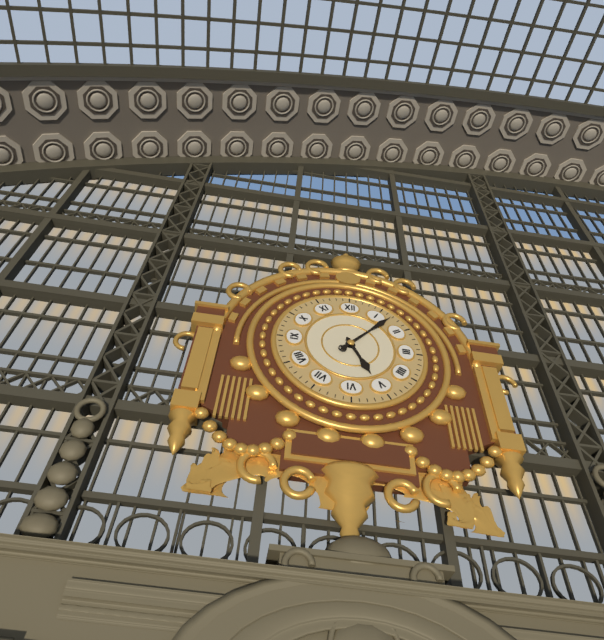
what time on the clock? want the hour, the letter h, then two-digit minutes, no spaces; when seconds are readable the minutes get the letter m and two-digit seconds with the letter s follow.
5h07
